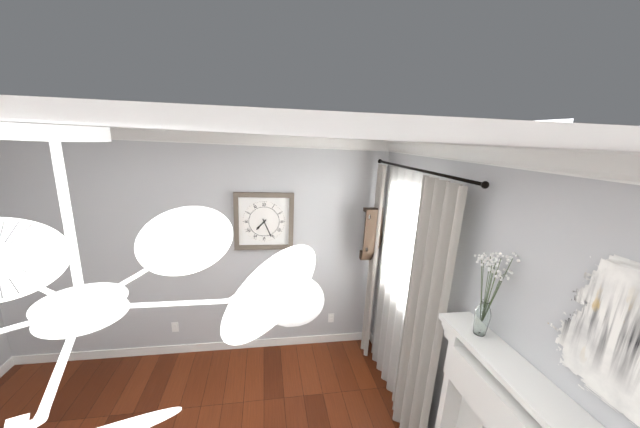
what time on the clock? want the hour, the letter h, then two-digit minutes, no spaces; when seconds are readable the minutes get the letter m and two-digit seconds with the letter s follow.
7h26
